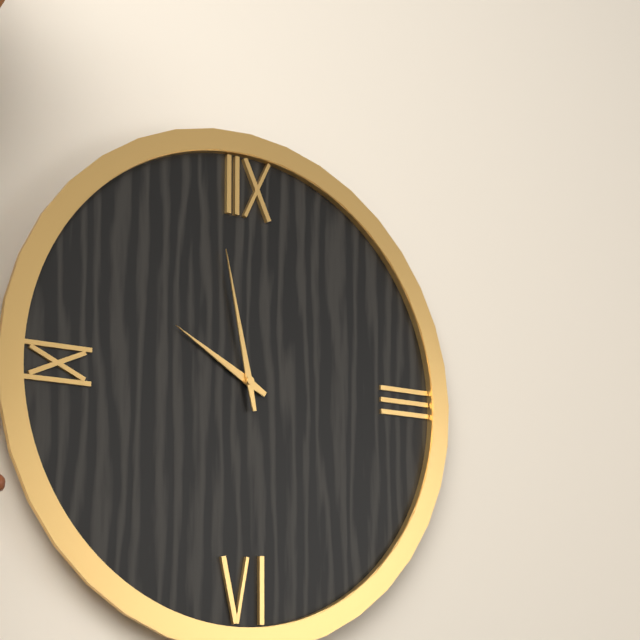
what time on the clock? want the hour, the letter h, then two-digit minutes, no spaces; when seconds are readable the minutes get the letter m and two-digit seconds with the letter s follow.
9h58
